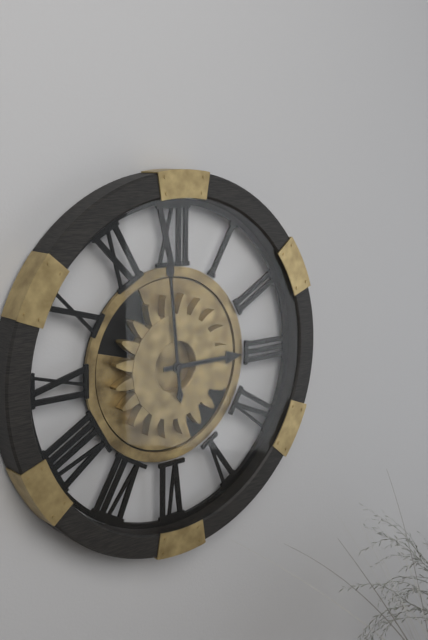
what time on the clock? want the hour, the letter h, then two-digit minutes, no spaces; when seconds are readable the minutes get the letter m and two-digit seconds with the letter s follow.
2h59
